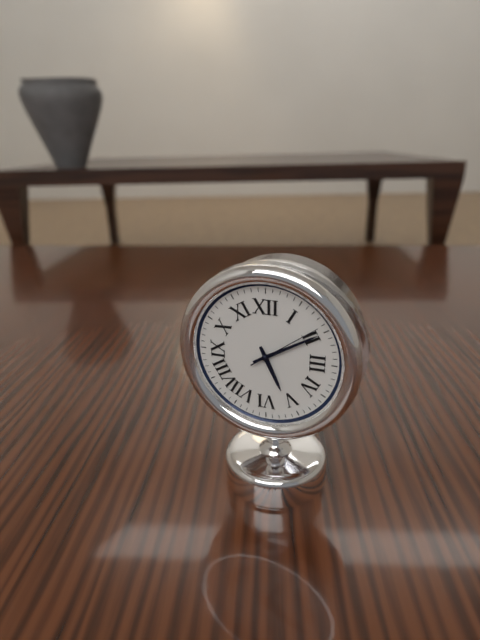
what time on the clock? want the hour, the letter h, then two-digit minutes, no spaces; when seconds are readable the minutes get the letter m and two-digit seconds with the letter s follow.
5h10m09s
